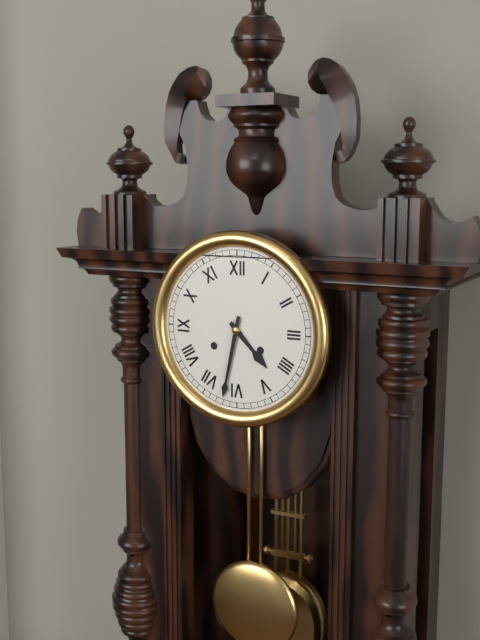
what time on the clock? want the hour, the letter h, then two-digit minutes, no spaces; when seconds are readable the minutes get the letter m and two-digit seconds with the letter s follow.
4h32
